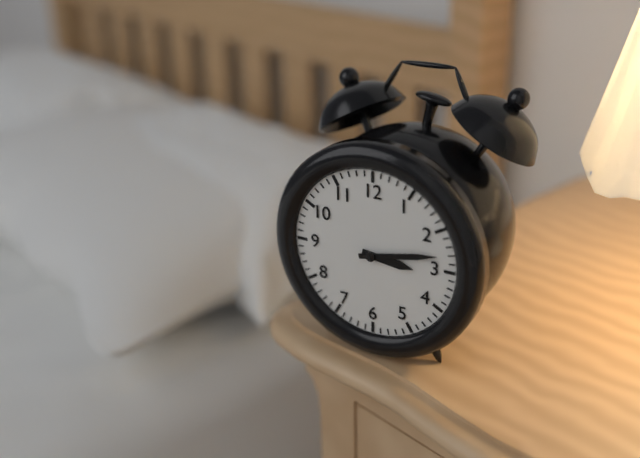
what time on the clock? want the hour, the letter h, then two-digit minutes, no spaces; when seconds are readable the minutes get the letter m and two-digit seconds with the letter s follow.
3h13
